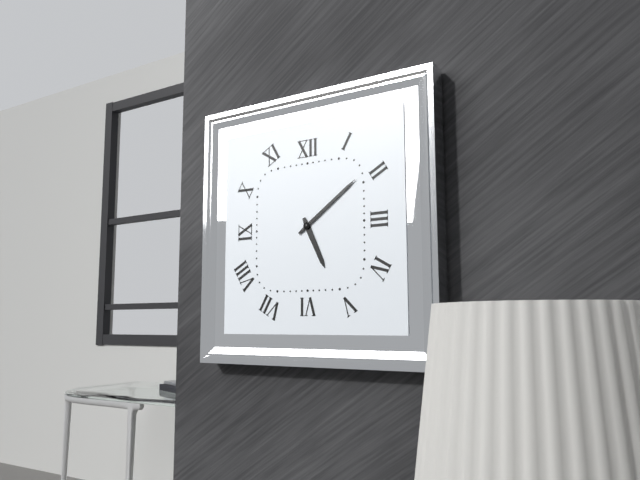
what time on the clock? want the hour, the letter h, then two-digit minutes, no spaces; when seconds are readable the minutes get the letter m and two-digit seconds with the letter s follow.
5h09
